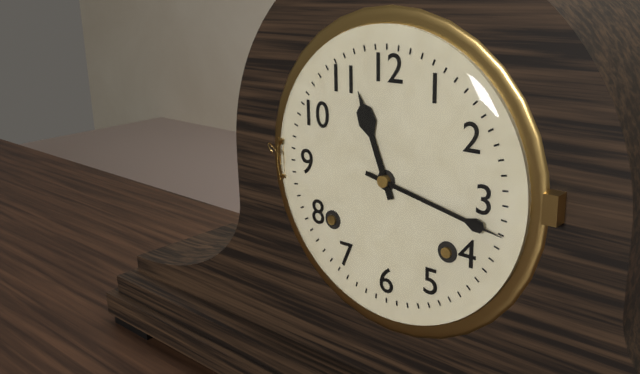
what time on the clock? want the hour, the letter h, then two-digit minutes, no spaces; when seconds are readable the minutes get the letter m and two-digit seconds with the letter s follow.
11h17
